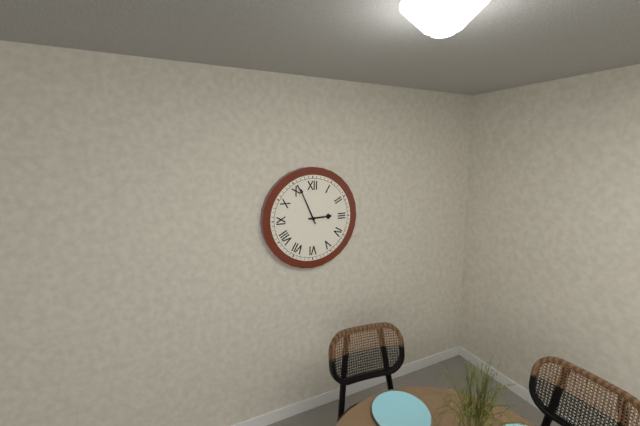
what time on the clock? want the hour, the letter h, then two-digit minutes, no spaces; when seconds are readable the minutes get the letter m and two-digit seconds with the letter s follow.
2h56
